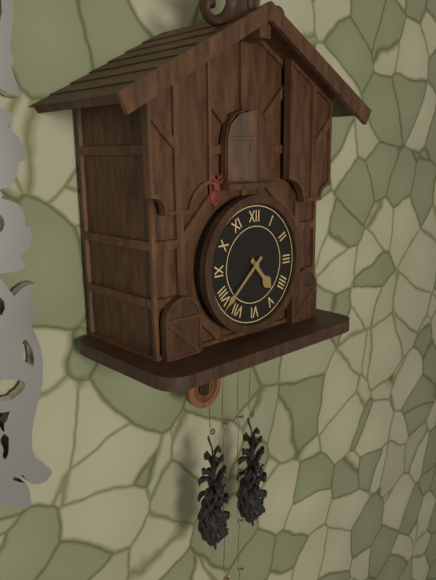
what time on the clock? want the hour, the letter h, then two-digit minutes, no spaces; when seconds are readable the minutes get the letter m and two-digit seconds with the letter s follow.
4h38
